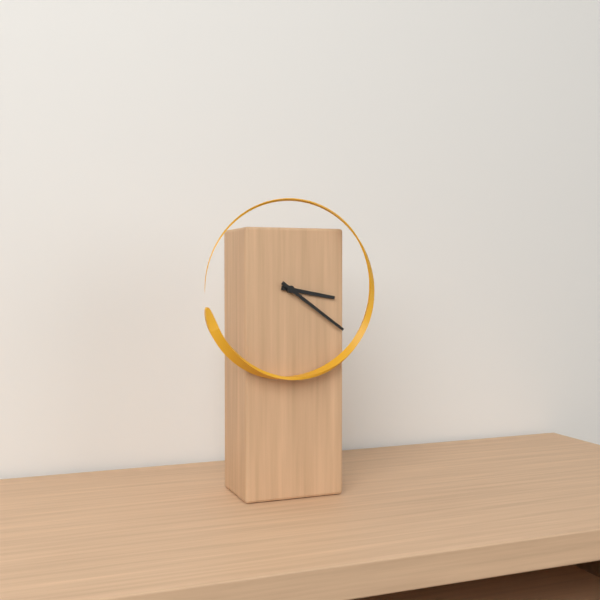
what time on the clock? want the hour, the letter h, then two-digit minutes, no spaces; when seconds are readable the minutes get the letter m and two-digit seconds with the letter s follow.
3h21
